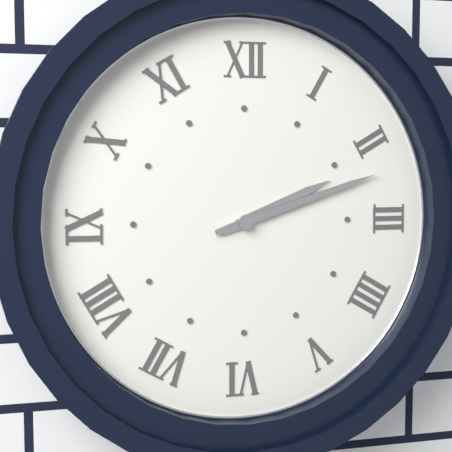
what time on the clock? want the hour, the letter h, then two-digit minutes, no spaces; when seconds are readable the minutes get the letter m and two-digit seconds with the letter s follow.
2h12
